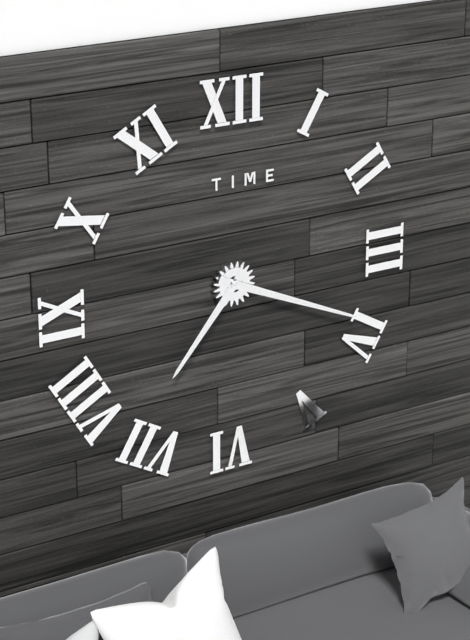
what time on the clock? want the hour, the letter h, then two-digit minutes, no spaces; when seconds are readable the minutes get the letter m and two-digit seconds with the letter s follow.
7h19
